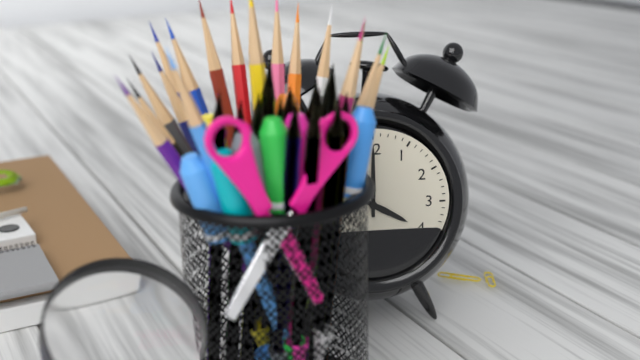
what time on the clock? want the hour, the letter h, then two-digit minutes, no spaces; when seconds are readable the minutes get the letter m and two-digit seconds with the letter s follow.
4h00
